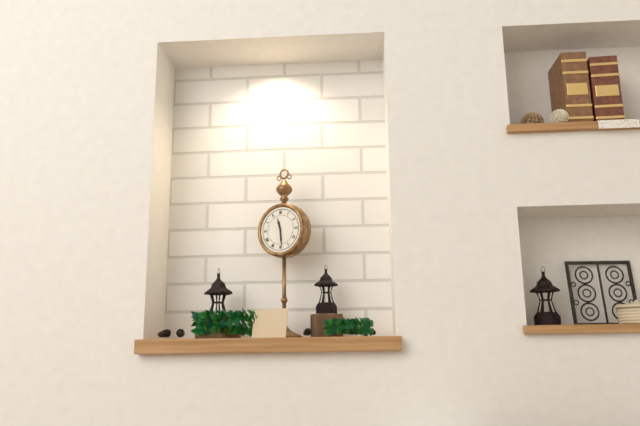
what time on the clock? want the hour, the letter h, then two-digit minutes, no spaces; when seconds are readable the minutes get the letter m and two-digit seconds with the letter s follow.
11h29
